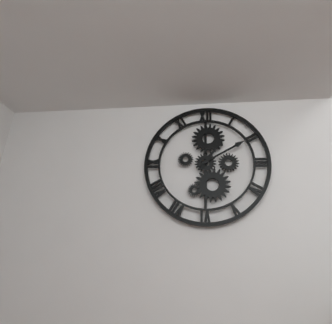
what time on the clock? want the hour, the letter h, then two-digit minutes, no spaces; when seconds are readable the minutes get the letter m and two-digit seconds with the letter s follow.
1h10
